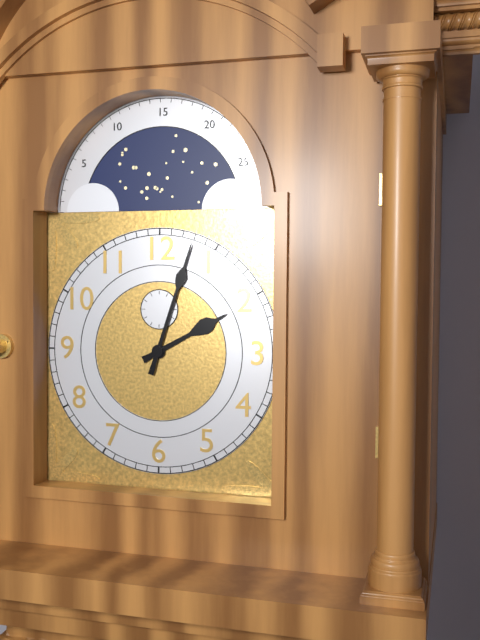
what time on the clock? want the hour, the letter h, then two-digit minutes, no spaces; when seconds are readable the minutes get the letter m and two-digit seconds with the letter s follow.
2h03
